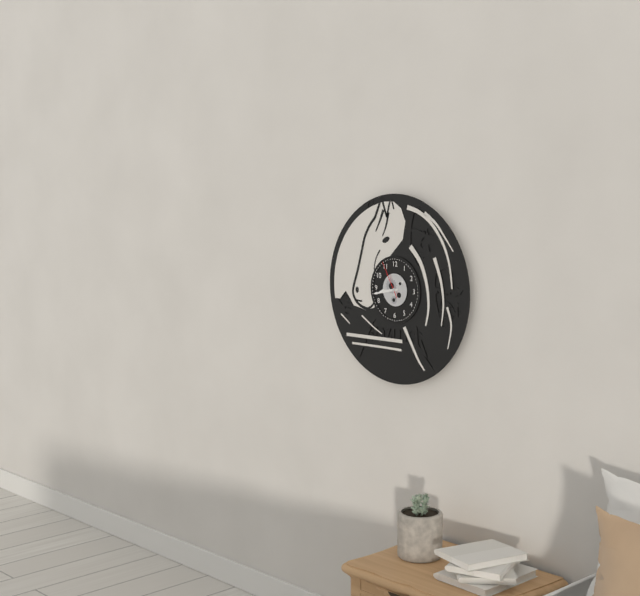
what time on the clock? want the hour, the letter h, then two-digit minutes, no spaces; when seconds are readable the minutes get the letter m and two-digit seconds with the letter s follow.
8h43
